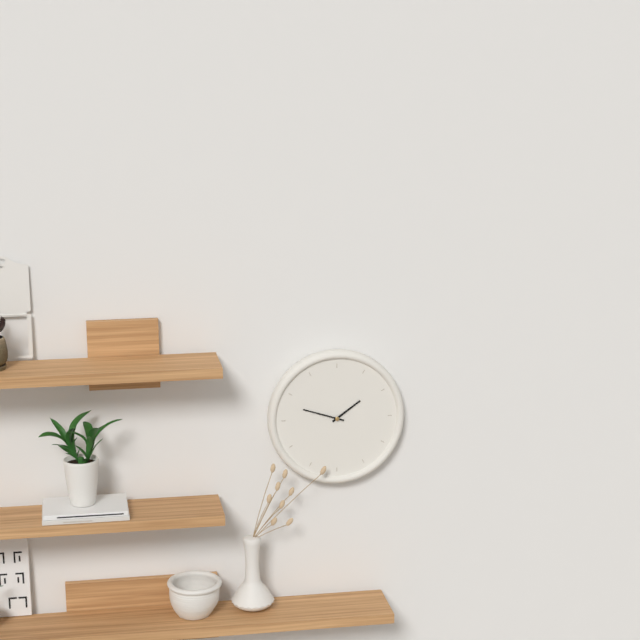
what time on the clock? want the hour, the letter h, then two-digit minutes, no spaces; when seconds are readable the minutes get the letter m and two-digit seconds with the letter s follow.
1h48
